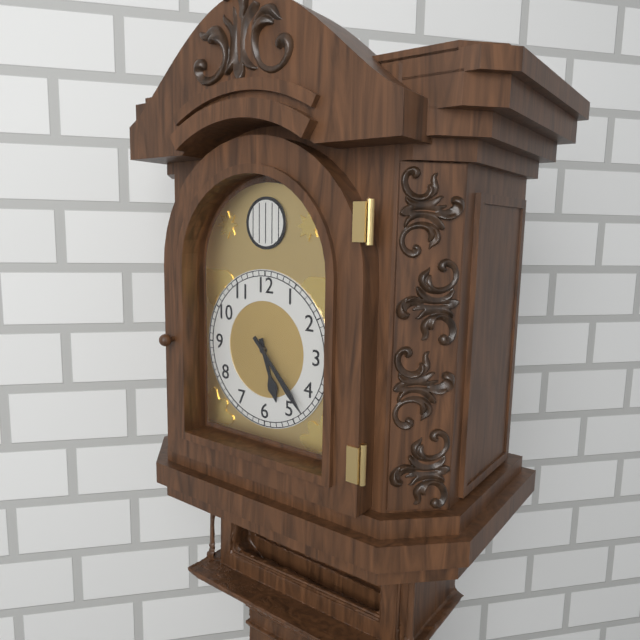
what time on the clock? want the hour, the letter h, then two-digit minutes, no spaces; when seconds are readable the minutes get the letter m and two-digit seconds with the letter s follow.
5h23
